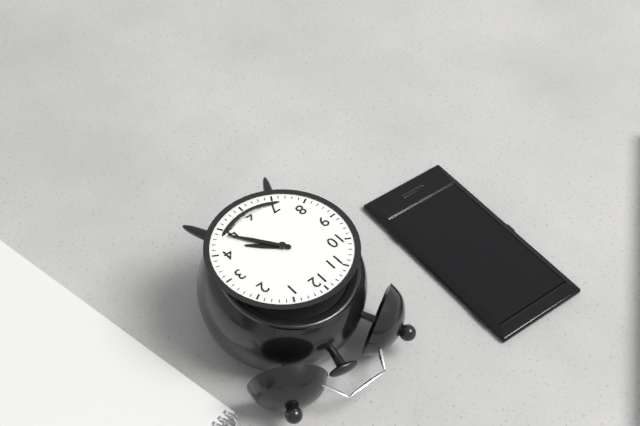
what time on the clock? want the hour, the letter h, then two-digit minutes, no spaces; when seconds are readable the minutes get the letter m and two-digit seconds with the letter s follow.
4h24
